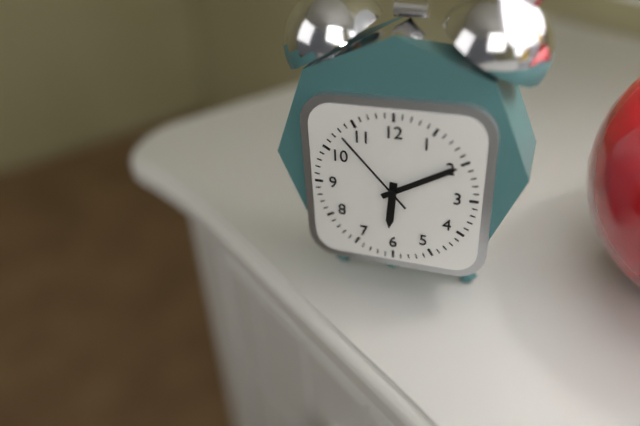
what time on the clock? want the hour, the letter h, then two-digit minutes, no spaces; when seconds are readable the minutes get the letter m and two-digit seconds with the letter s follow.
6h10m53s
